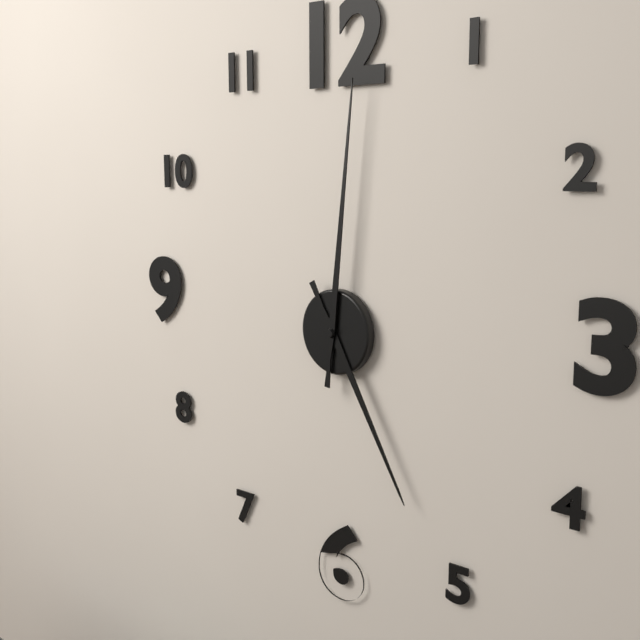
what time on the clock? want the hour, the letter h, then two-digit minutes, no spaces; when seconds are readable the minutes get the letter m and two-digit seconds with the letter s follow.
5h01
